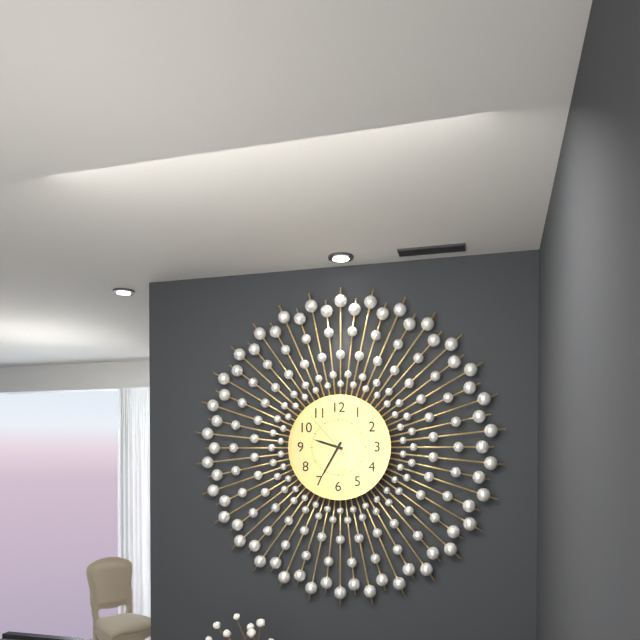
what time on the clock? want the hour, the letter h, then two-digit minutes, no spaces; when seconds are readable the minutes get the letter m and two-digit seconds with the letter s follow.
9h35m53s
